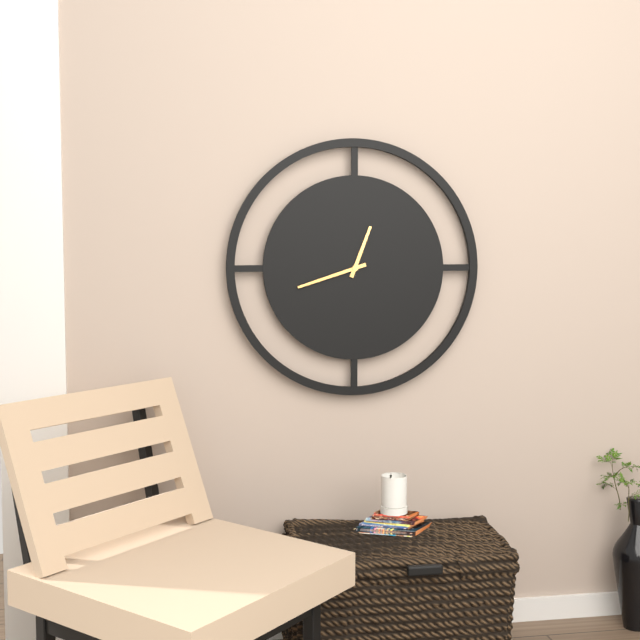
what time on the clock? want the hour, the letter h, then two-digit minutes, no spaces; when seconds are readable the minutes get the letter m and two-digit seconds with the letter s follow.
12h42
